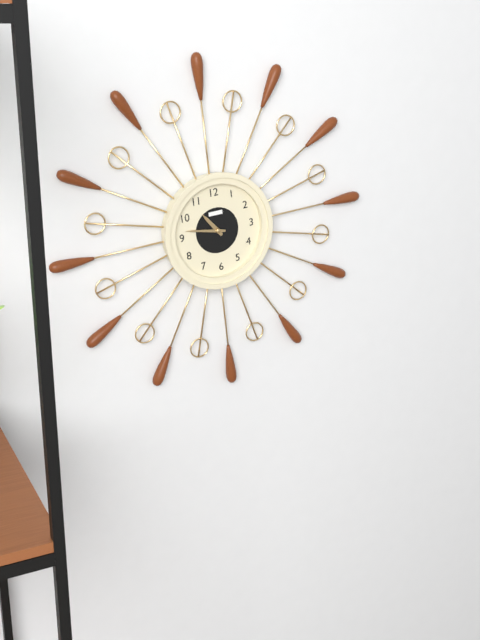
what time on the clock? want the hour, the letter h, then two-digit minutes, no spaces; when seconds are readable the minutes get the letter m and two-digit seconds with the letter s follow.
10h47
